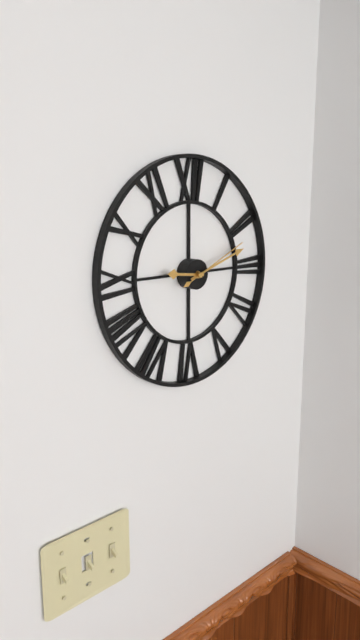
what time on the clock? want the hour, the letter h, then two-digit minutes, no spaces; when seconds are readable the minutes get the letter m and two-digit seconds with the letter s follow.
9h12m11s
